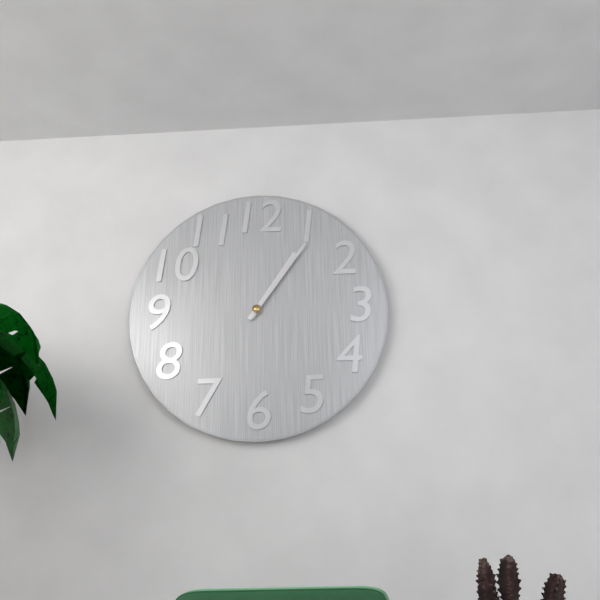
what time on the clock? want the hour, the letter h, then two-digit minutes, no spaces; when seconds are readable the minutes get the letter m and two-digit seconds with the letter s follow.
1h06
